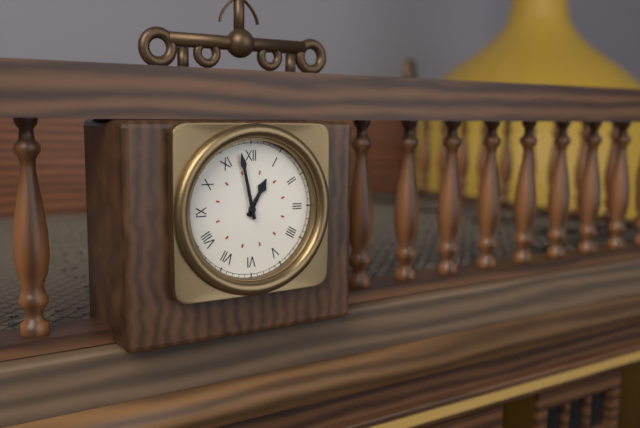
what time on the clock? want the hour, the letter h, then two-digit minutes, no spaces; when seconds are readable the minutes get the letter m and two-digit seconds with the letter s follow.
12h58
